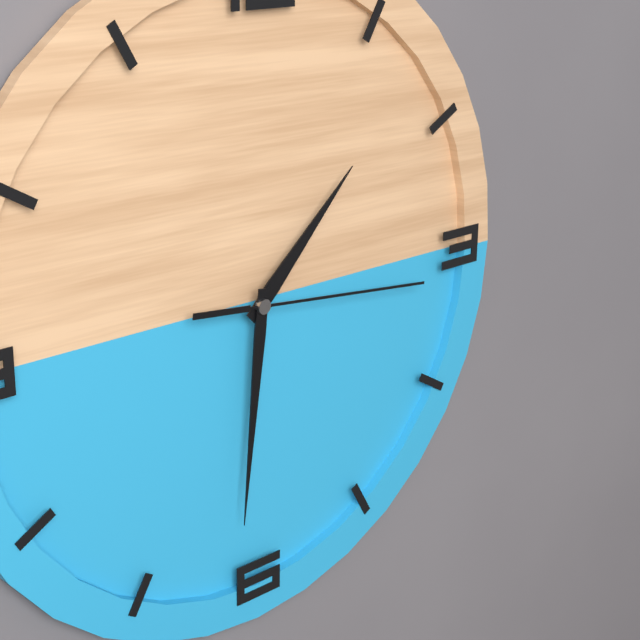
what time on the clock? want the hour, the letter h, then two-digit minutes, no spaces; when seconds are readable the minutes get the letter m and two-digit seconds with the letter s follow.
1h31m16s
